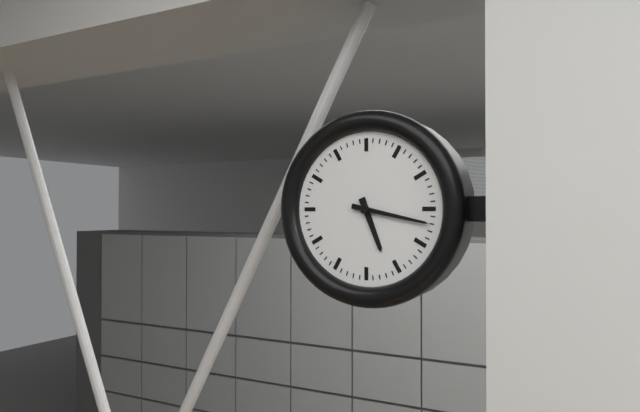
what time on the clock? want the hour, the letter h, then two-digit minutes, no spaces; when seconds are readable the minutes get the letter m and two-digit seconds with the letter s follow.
5h17
